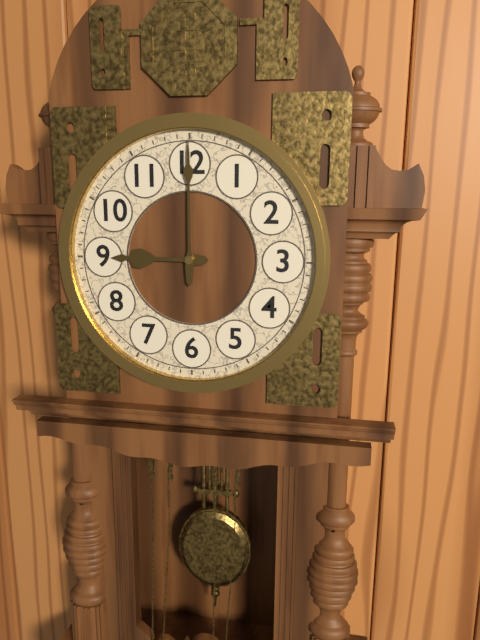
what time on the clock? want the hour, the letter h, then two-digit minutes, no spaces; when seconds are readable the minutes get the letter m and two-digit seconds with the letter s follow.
9h00
